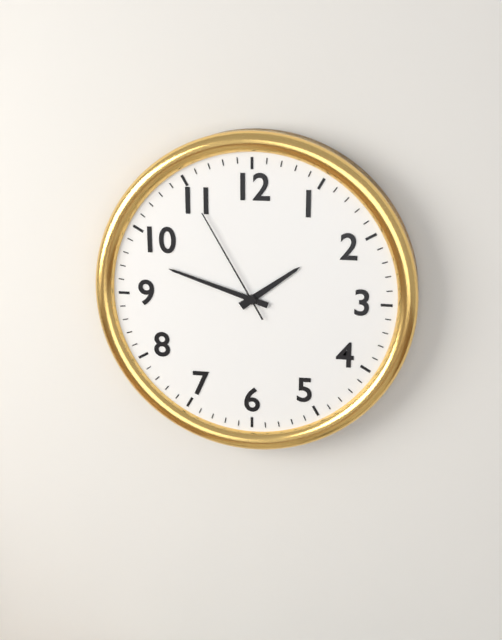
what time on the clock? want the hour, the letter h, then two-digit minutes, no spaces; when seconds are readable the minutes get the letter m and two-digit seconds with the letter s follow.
1h48m55s
